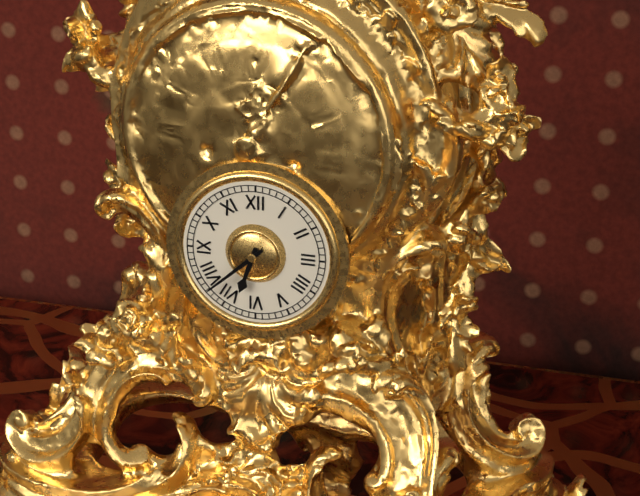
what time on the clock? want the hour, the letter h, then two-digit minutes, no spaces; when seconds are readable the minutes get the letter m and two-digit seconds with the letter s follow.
6h38
